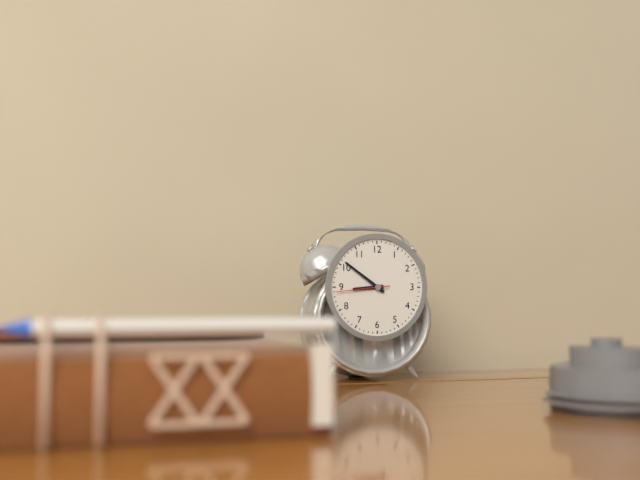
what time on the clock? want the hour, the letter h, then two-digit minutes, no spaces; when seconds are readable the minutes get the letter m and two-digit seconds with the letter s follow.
8h51m44s
